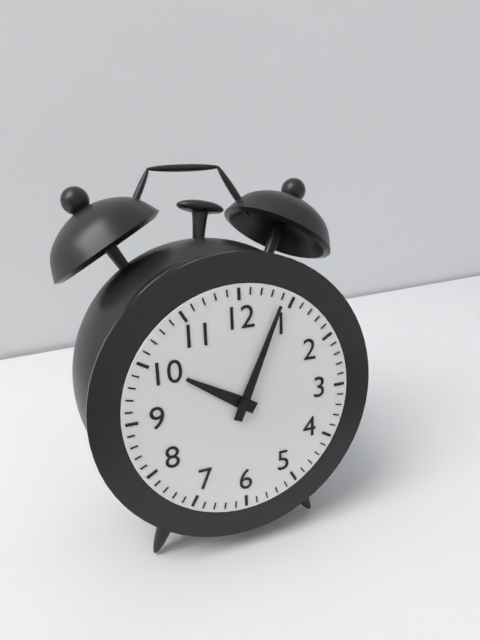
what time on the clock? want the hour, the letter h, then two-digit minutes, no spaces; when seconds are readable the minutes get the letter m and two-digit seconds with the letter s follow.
10h04
